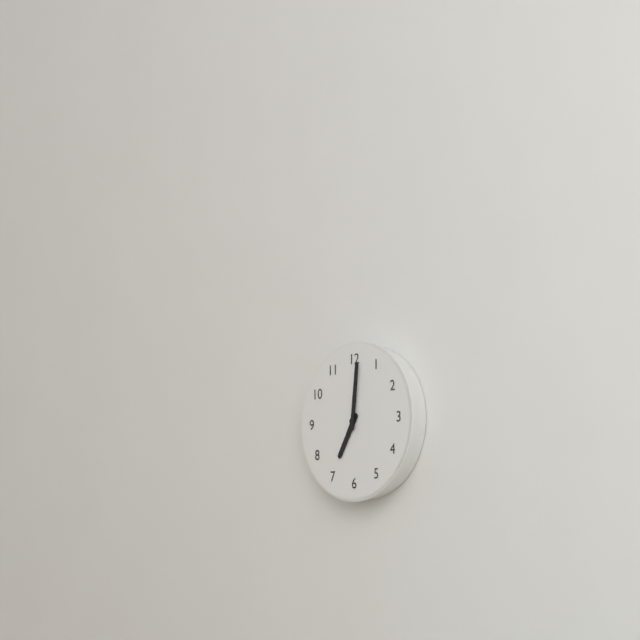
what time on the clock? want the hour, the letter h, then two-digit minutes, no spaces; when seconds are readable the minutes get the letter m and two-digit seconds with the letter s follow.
7h01
